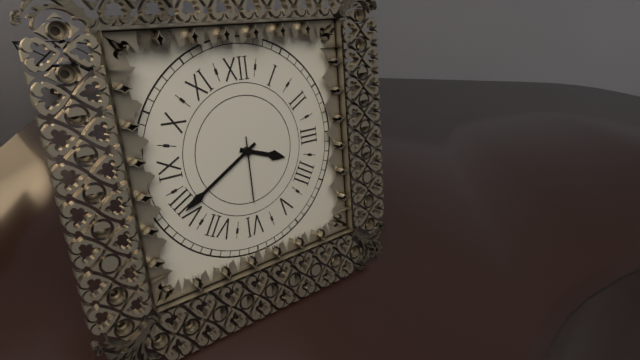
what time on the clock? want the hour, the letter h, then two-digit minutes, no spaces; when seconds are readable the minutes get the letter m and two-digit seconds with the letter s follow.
3h40m30s
